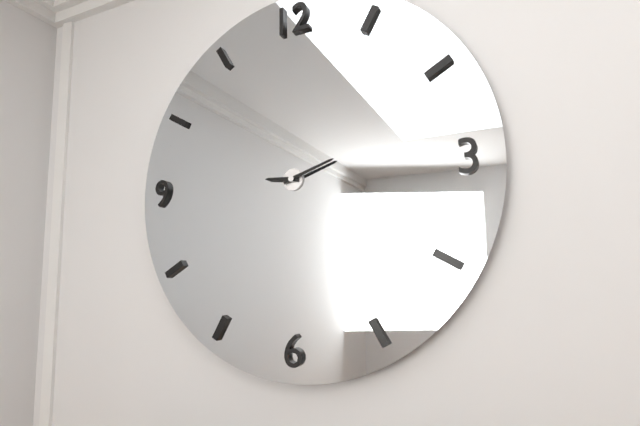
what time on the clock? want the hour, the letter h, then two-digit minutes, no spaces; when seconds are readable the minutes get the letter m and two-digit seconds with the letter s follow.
9h12
